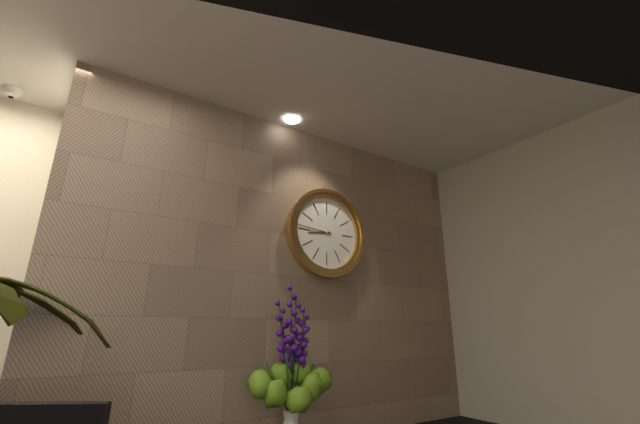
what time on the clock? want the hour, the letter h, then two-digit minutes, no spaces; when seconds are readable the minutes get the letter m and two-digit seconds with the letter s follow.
8h46
